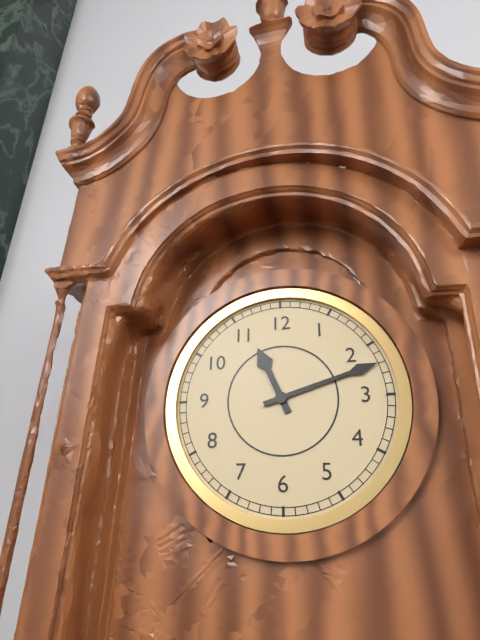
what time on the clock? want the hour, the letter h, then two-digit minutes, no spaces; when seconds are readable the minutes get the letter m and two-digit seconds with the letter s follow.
11h12
